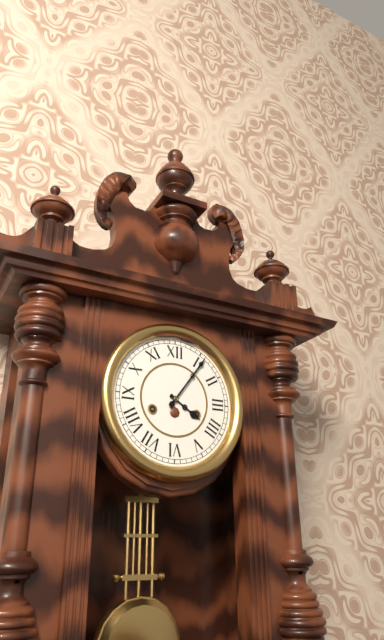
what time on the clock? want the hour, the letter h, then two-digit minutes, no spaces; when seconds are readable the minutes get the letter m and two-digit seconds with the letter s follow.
4h06
